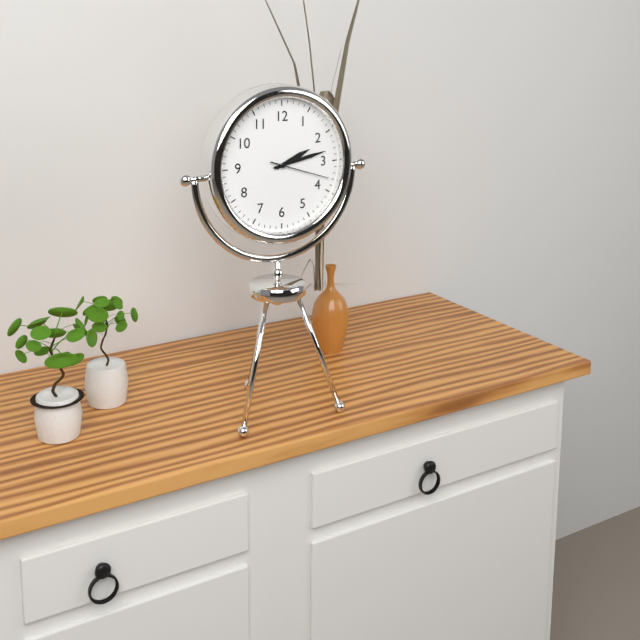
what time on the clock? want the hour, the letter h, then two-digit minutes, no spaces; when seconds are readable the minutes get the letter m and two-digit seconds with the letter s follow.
2h13m18s
